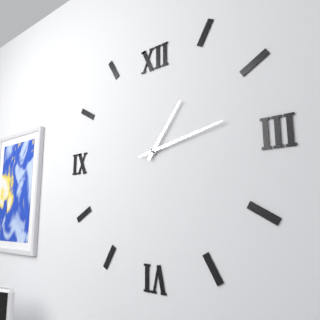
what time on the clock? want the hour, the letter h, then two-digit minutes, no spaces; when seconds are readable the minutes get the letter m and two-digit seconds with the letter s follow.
1h13m13s
